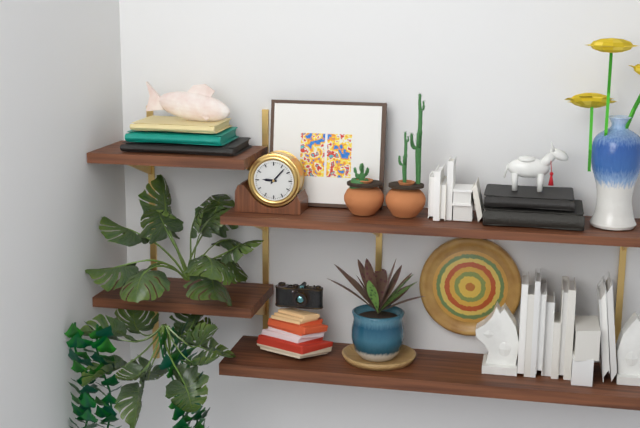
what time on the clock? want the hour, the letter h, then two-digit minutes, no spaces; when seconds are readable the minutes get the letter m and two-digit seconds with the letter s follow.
9h07
